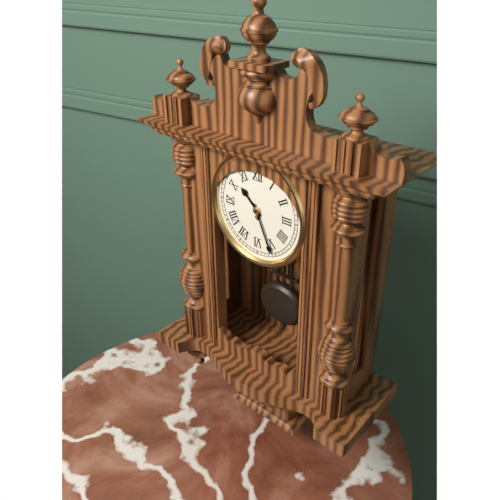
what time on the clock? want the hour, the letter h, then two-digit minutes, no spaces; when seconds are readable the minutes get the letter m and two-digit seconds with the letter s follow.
10h26
